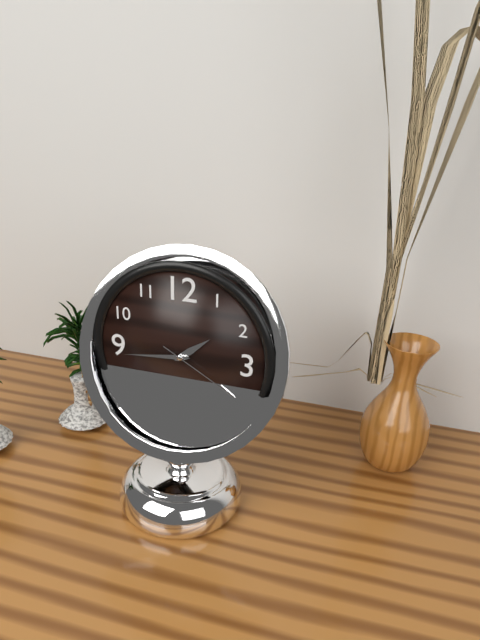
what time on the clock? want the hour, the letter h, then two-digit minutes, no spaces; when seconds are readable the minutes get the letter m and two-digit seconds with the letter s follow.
1h44m20s
